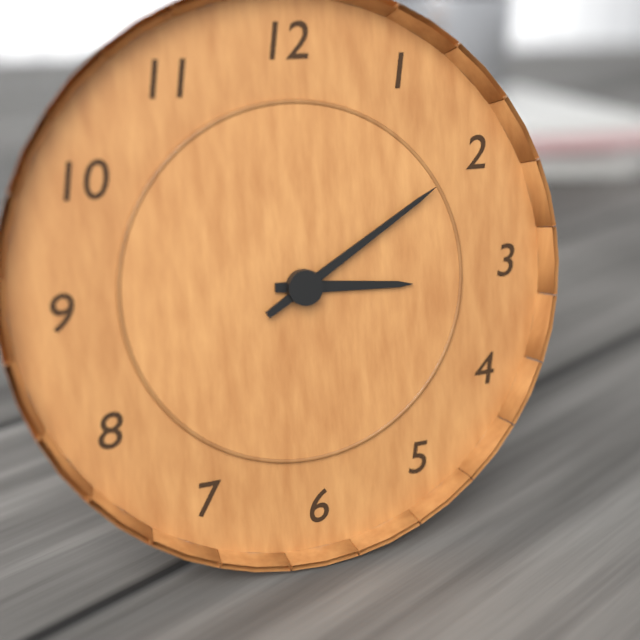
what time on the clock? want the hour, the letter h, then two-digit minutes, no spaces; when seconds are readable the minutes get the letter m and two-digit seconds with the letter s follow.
3h10
